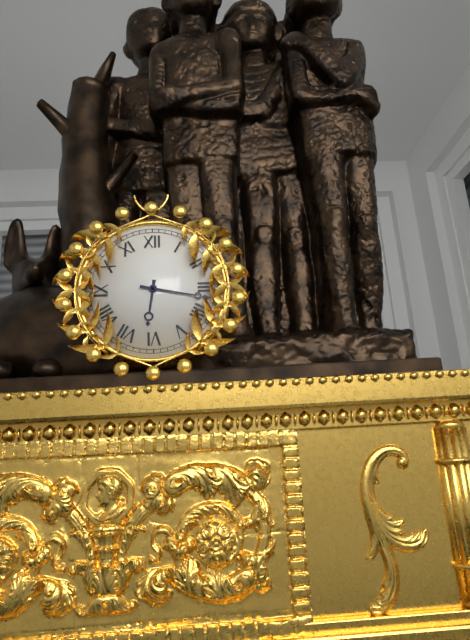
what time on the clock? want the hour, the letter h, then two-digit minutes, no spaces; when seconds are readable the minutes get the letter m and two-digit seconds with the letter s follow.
6h17
